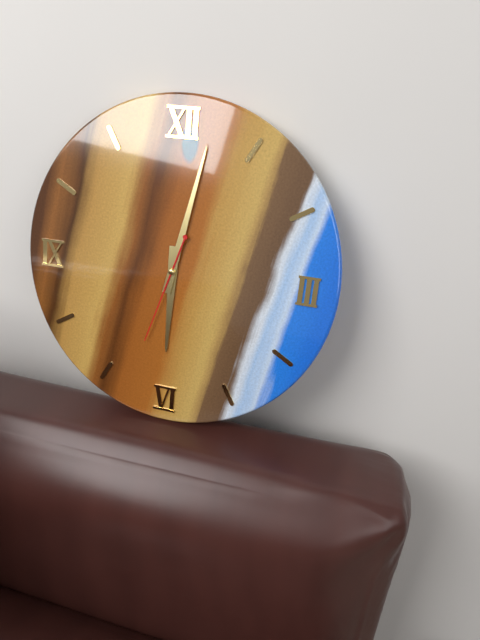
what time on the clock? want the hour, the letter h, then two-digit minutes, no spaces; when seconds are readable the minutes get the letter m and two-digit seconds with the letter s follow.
6h02m33s
